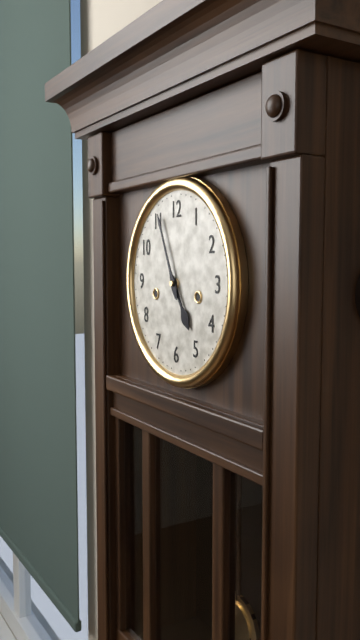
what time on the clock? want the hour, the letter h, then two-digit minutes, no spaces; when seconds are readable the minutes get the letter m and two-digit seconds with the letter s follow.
4h56
